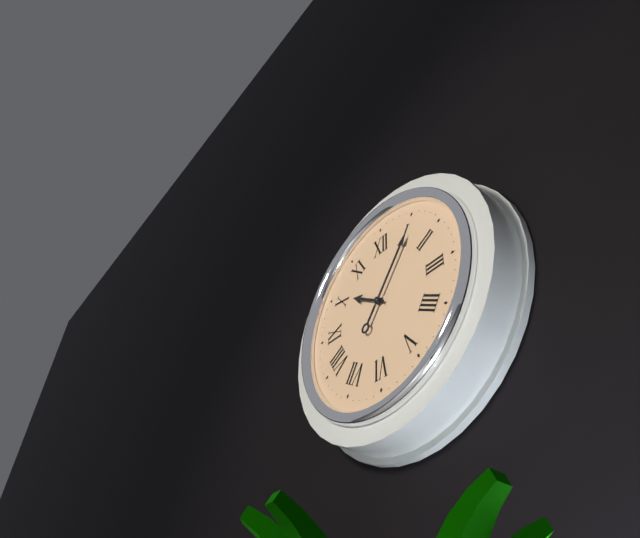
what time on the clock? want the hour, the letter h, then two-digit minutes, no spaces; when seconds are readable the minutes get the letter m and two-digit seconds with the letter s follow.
10h06
